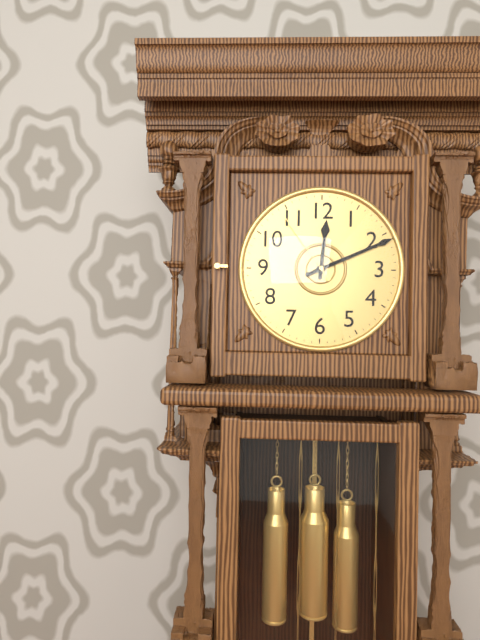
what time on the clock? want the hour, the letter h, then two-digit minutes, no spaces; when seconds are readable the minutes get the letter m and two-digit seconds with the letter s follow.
12h11m54s
